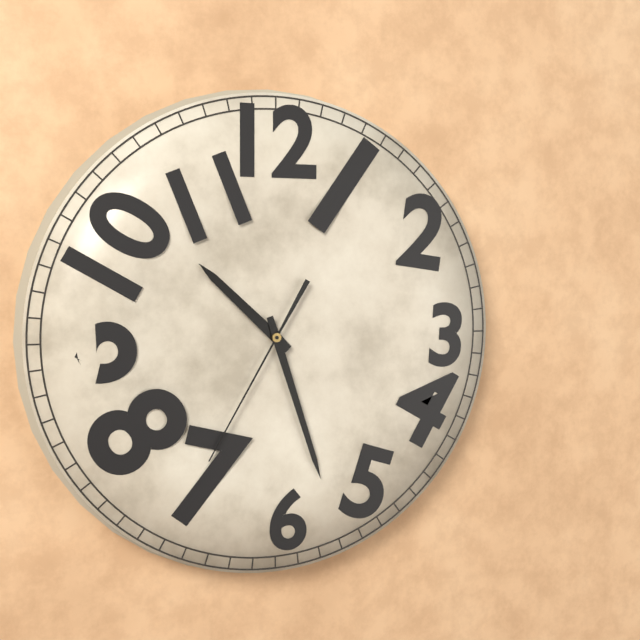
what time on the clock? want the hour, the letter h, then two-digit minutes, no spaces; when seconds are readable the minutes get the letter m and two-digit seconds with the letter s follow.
10h27m35s
